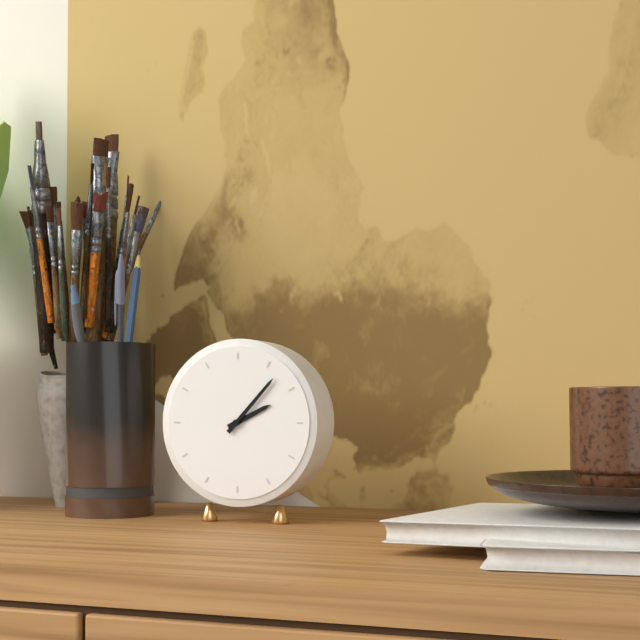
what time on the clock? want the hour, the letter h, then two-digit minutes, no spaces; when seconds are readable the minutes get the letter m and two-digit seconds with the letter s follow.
2h07
